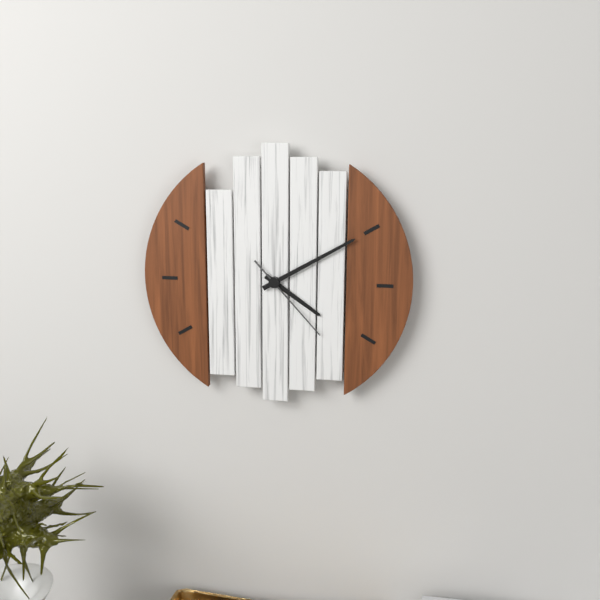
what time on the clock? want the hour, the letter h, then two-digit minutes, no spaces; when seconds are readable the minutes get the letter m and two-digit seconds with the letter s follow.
4h10m23s
